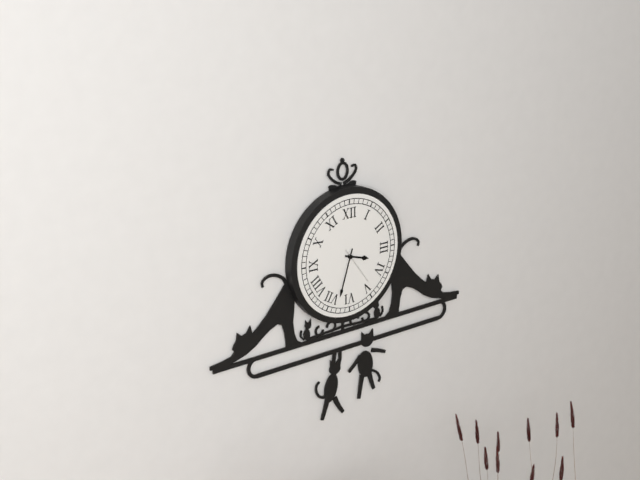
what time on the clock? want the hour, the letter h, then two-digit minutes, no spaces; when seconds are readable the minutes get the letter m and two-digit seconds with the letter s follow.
3h33
